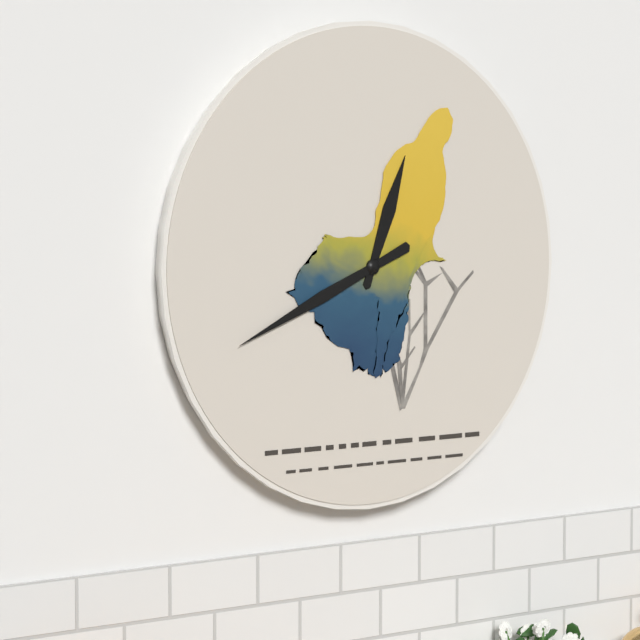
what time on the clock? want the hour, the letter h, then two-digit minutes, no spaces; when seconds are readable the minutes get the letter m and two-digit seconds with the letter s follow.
12h41
